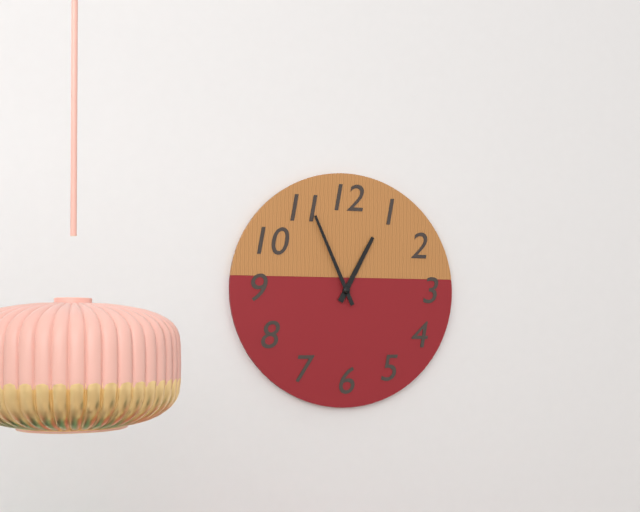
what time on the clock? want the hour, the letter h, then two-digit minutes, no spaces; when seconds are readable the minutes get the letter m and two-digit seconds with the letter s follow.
12h56
